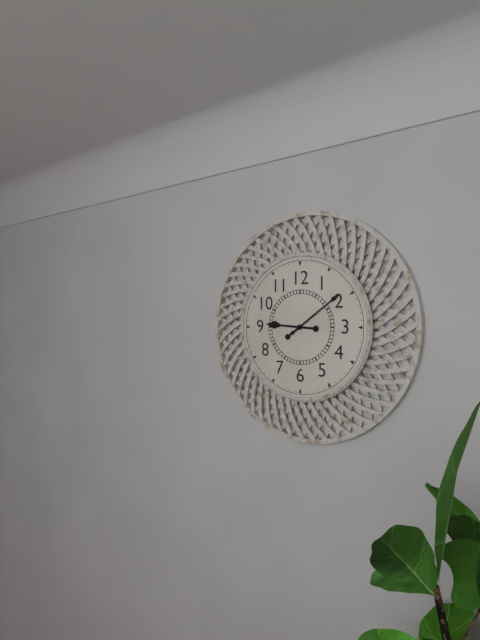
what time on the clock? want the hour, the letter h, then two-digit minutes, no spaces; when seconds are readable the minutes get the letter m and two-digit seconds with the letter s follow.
9h09
